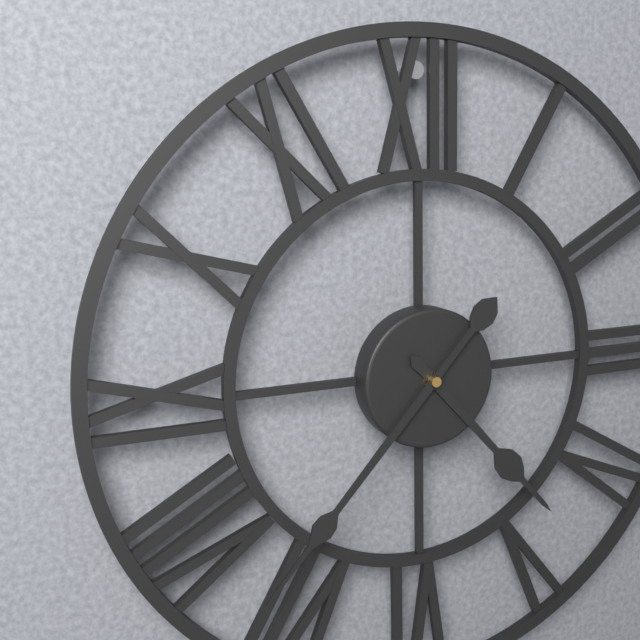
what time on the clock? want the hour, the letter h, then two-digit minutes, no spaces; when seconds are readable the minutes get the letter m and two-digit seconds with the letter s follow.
4h37
